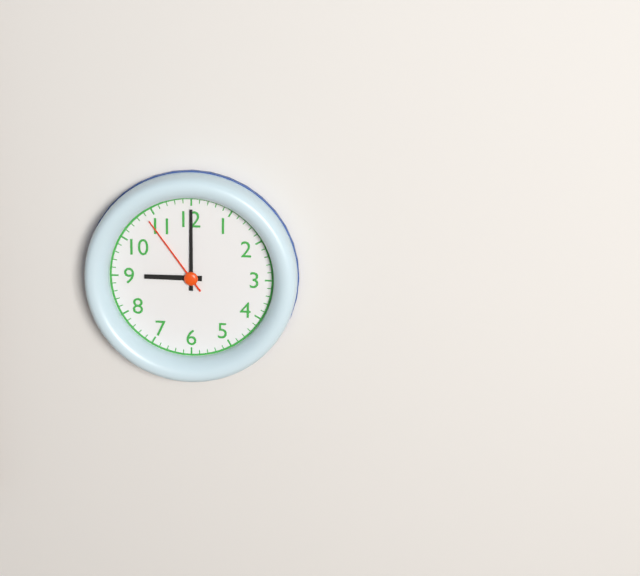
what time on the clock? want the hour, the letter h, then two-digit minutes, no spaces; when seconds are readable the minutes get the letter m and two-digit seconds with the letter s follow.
9h00m54s
